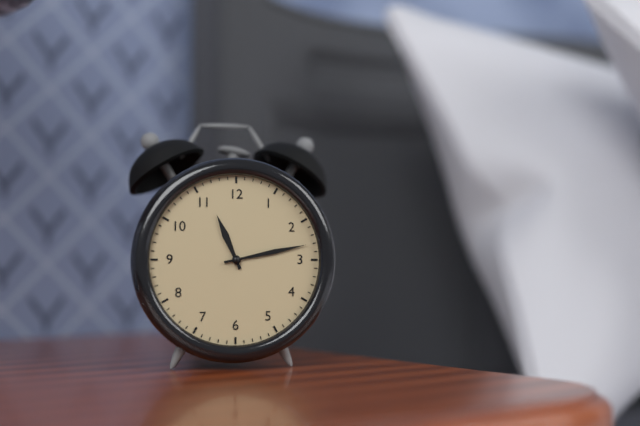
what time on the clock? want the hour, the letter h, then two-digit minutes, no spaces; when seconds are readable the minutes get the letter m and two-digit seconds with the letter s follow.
11h13
